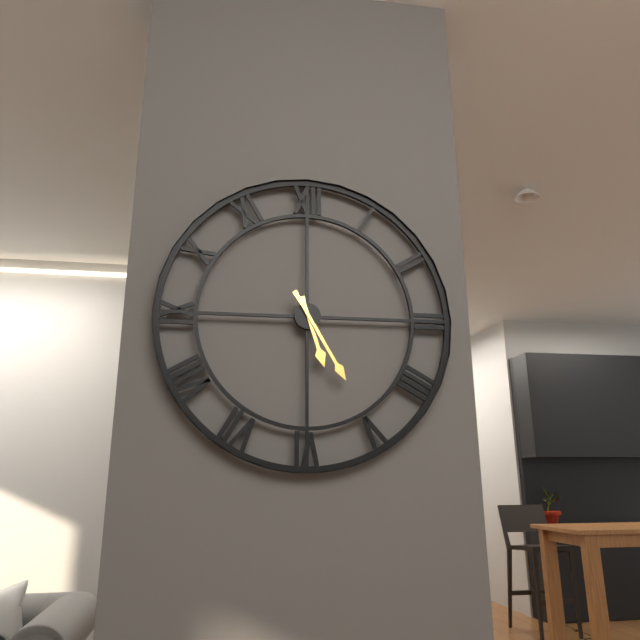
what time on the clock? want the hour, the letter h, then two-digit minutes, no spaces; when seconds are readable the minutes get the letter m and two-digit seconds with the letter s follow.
5h25
